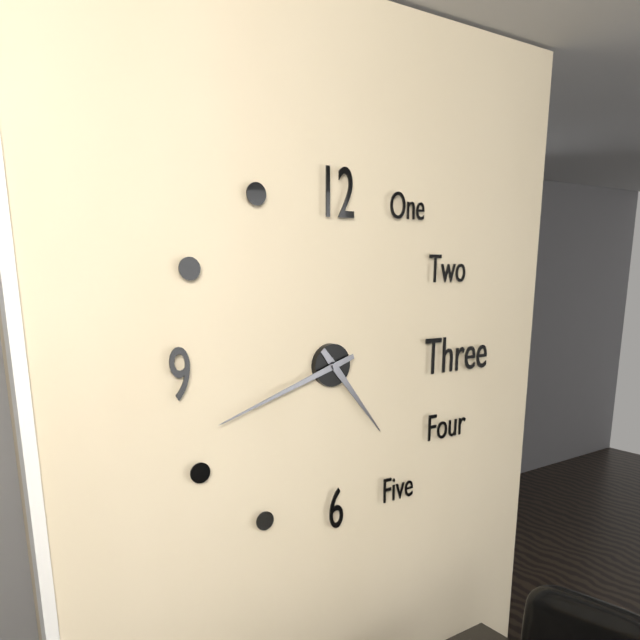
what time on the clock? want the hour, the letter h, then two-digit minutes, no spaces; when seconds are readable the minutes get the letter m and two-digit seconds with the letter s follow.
4h42
